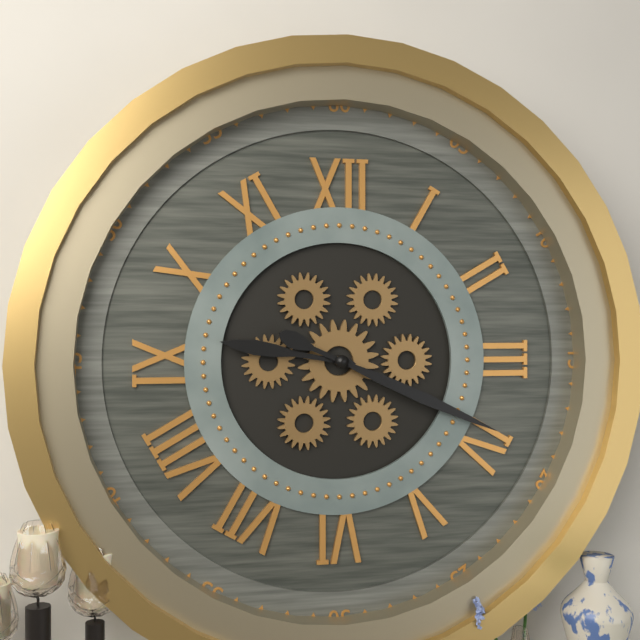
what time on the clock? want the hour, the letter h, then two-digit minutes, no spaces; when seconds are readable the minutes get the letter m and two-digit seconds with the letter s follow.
9h19
